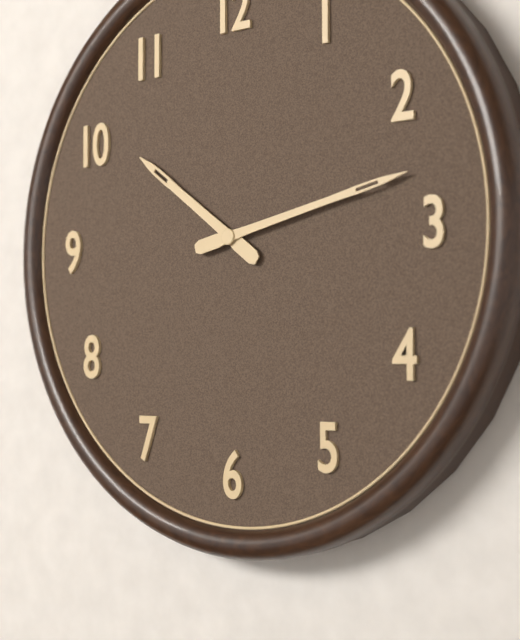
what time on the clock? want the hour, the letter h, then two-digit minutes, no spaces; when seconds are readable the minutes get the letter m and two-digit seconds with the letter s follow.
10h13
